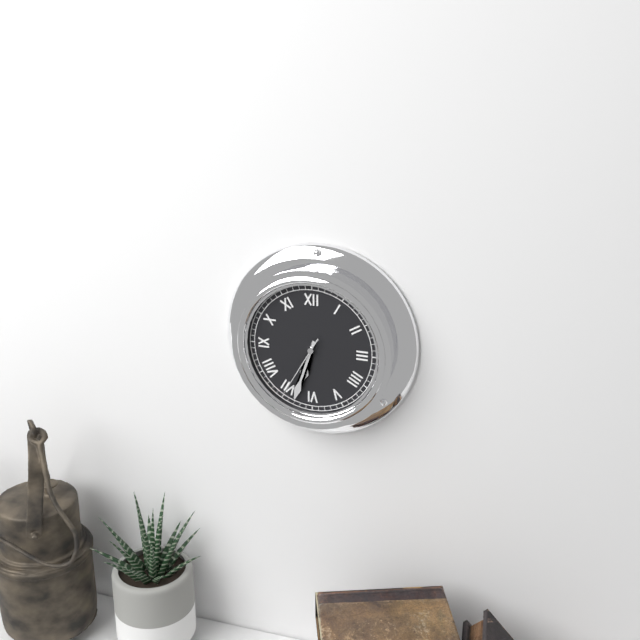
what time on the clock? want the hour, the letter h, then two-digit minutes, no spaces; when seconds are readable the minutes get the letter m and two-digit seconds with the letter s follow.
6h33m35s
